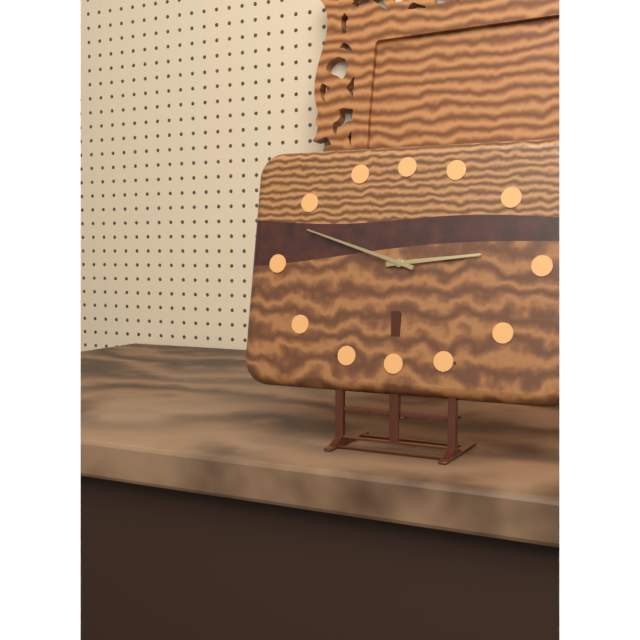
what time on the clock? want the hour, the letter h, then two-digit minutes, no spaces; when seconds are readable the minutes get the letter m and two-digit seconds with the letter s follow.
2h48
